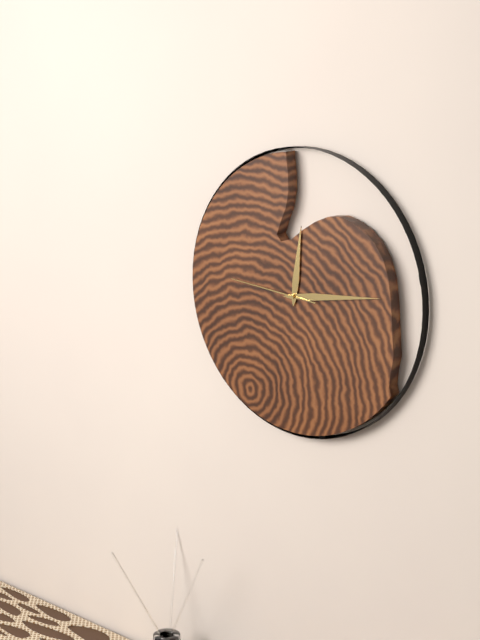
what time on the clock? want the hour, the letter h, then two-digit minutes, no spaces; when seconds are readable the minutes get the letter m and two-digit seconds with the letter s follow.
12h14m46s
